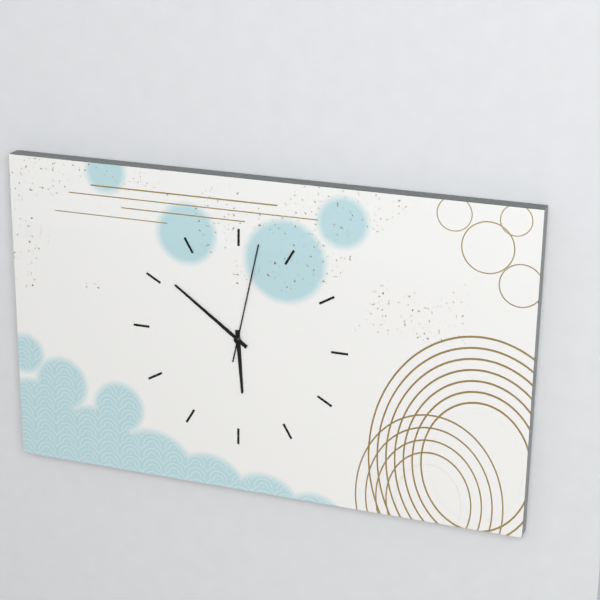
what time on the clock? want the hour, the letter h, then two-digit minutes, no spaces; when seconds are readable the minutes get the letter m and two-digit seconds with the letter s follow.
5h51m02s
